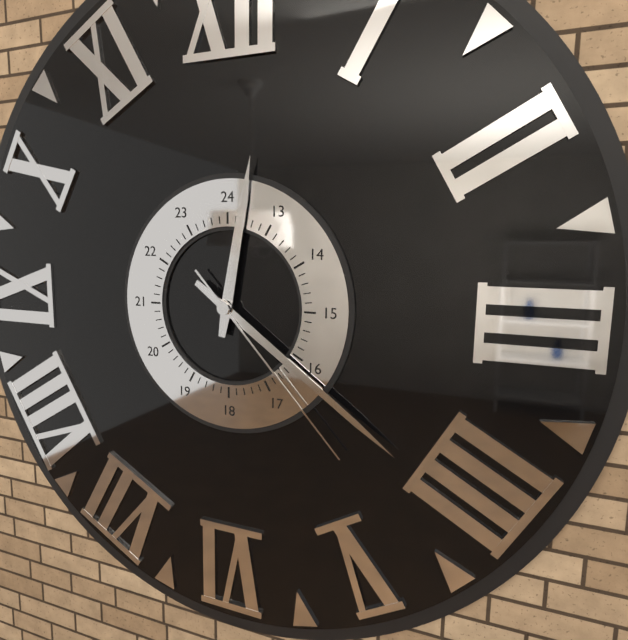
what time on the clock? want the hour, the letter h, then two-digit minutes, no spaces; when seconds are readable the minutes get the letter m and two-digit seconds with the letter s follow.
12h21m23s
